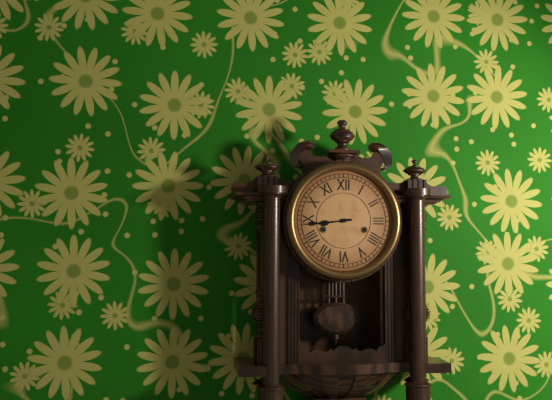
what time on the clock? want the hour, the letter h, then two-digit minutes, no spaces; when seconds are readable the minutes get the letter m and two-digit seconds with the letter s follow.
8h44
